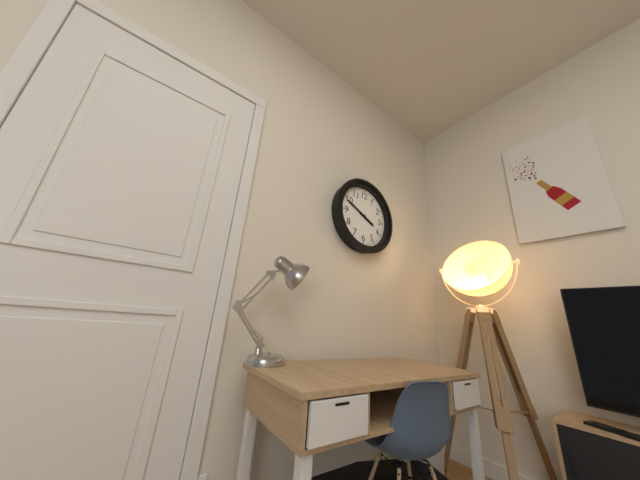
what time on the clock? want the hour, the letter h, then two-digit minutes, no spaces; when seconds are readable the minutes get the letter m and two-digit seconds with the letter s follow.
3h49
